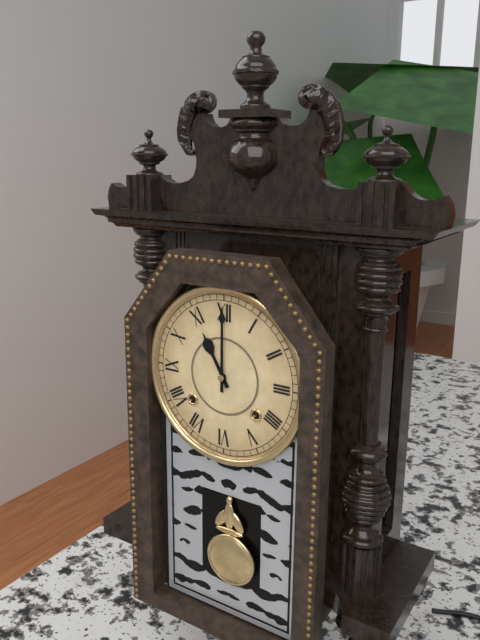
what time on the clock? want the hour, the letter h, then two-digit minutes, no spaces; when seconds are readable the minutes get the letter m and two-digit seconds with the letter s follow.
11h00
